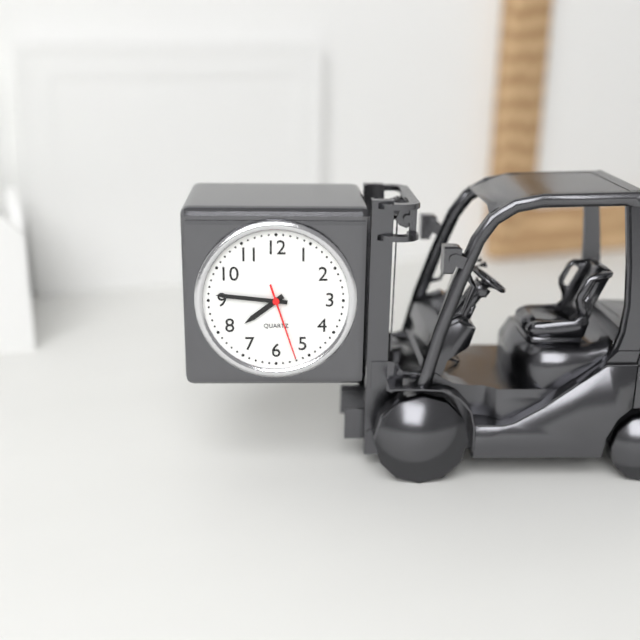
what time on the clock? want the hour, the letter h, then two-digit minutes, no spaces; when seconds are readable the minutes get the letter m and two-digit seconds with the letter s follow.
7h46m27s
